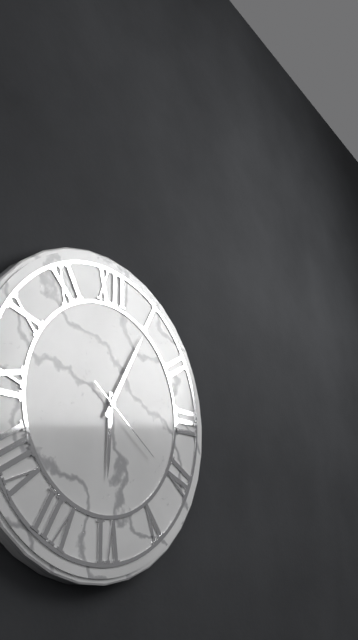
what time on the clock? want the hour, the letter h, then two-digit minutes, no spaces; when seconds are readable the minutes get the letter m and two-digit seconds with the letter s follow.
6h05m21s
